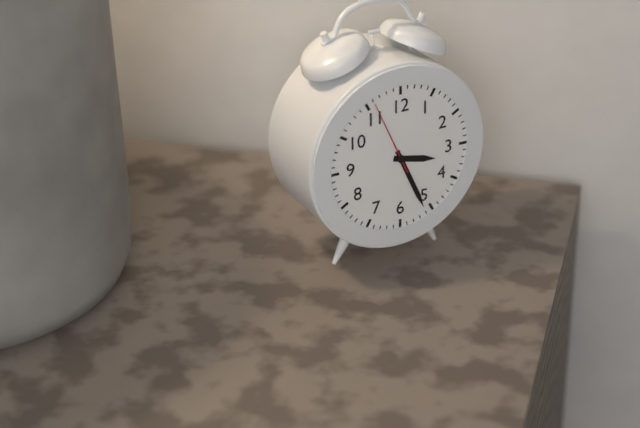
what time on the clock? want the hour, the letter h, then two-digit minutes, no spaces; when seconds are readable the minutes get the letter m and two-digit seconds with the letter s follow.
3h26m56s
